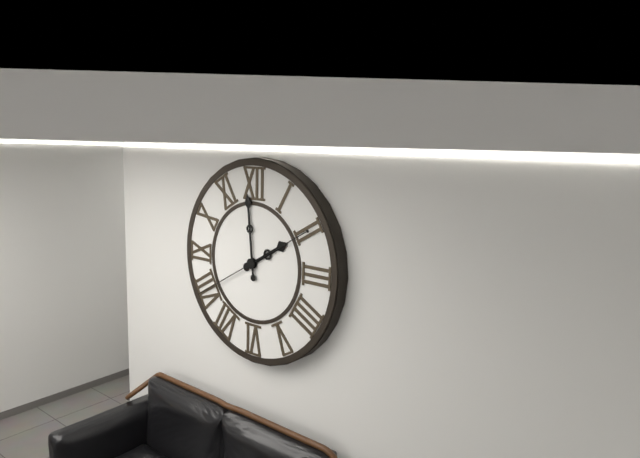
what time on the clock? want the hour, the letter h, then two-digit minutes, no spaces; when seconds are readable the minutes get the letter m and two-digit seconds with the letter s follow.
1h59m40s
